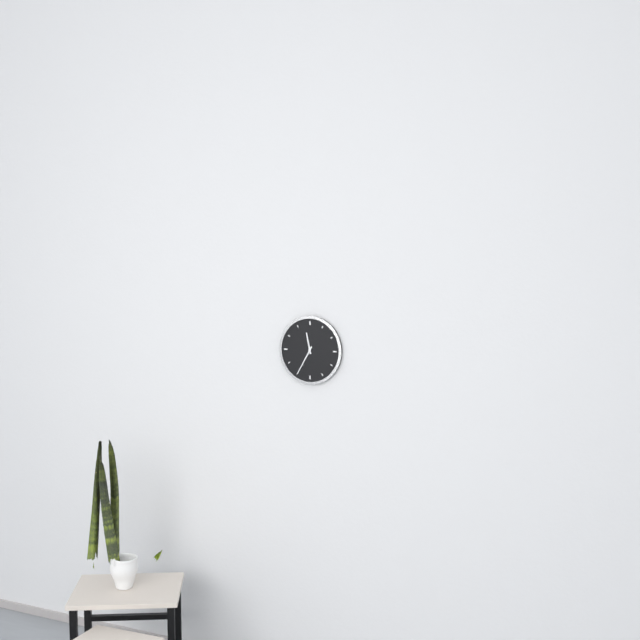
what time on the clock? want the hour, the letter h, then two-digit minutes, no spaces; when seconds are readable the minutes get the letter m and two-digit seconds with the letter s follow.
11h35
